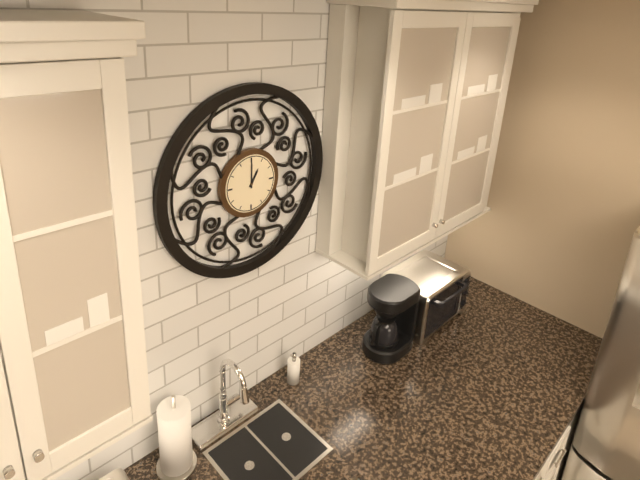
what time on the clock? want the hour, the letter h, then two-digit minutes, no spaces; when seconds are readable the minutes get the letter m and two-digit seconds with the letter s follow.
1h00
